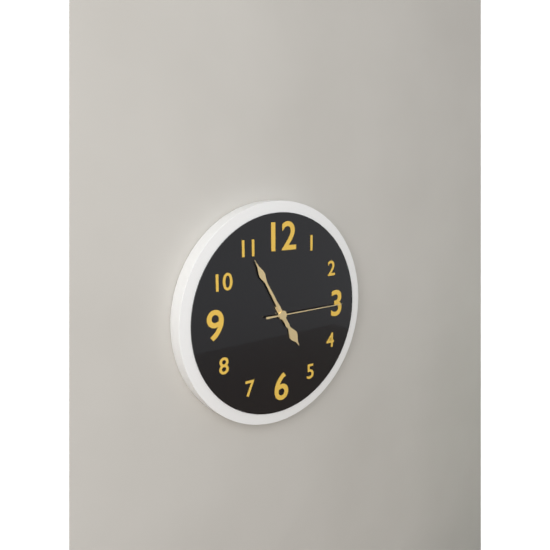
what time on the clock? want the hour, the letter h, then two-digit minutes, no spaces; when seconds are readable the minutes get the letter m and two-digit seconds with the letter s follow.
4h55m15s
